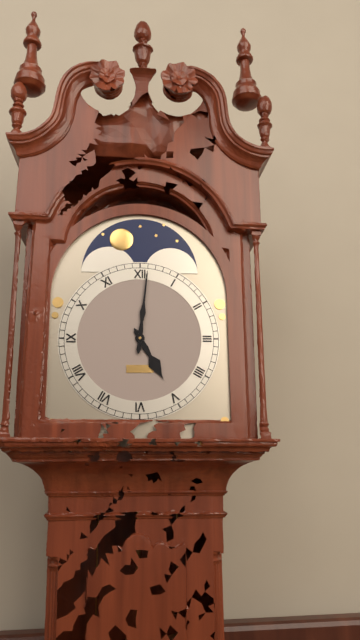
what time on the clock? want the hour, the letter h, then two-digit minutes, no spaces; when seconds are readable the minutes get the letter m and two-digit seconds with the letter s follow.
5h01
